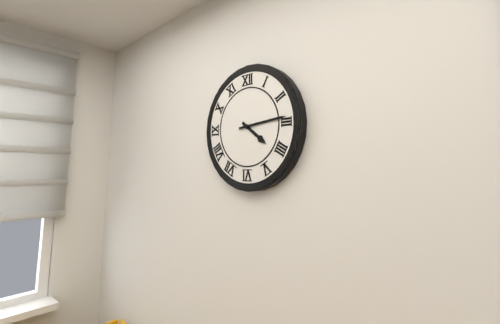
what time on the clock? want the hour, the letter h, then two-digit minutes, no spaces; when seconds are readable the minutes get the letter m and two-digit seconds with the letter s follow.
4h14
